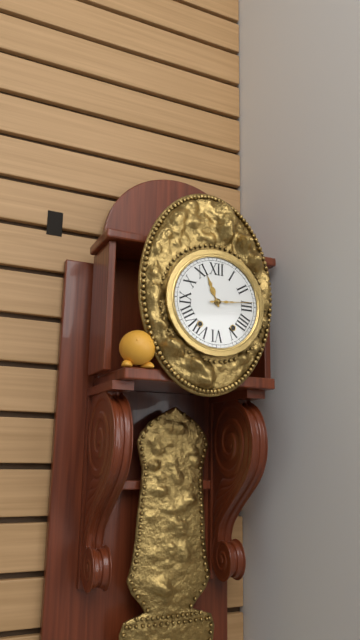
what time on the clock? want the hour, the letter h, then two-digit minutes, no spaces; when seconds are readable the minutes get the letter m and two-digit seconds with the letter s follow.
11h14
